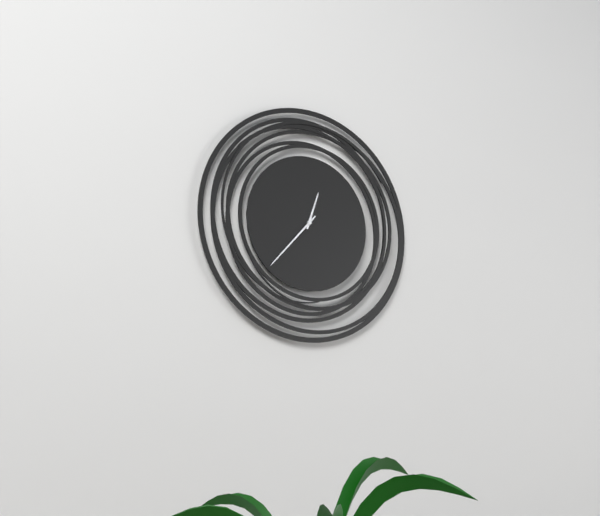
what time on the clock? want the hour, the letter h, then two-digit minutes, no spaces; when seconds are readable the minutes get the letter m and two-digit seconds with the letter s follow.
12h37
